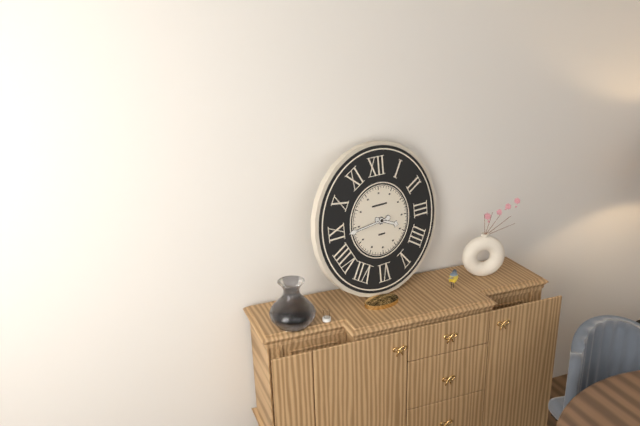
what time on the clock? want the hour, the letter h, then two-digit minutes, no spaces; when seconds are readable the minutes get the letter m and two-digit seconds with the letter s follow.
3h44
